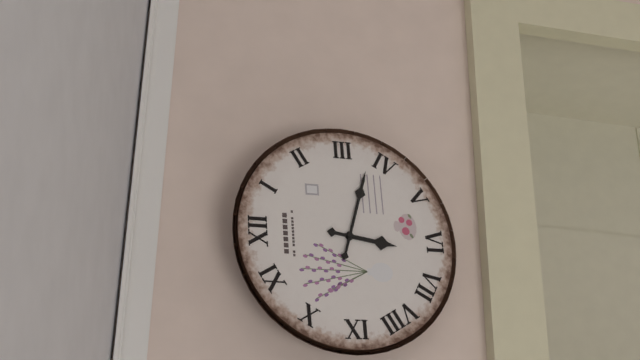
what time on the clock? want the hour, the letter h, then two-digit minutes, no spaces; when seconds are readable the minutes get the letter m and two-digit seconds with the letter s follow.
6h18
